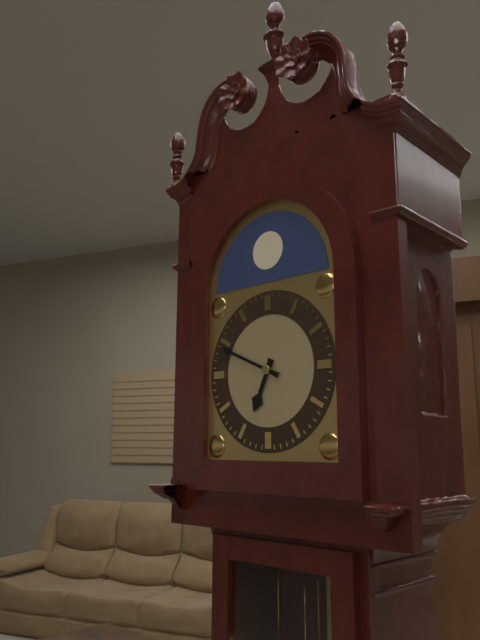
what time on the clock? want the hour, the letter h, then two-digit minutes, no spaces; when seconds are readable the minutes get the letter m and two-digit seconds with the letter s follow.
6h49
